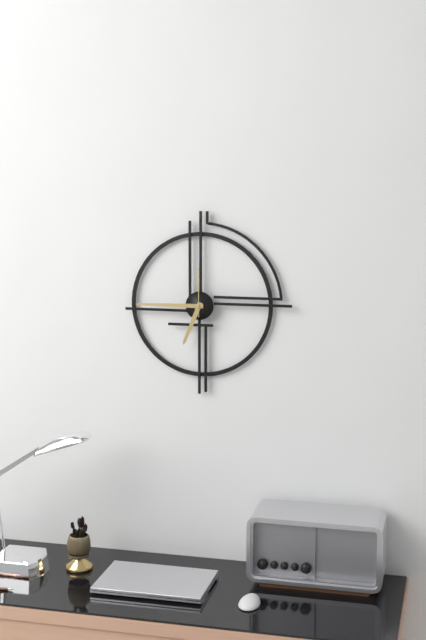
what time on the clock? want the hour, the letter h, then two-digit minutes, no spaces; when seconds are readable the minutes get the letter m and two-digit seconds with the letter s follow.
6h45
